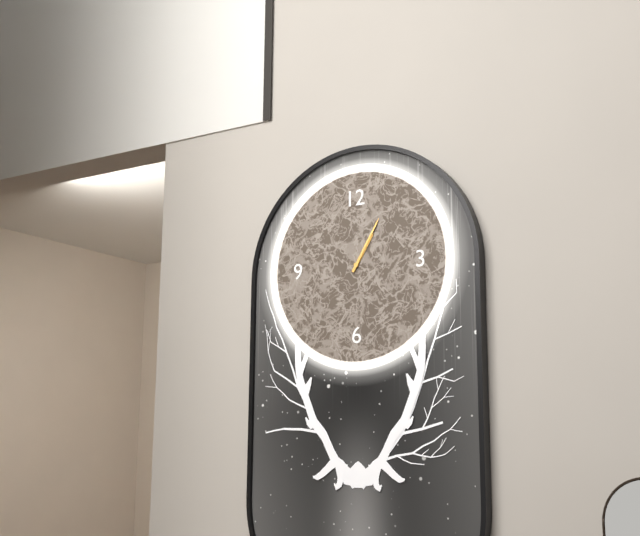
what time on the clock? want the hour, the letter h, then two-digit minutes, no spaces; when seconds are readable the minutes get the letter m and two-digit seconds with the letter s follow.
1h05
